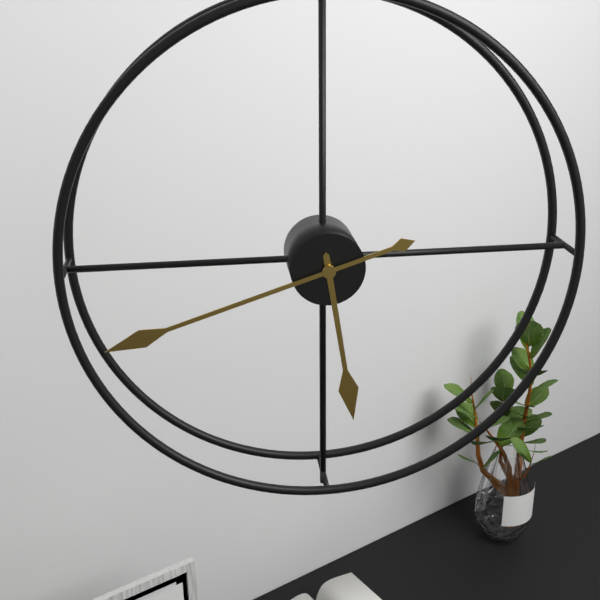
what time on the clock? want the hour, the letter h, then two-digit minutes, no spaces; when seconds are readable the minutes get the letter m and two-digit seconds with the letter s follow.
5h42
